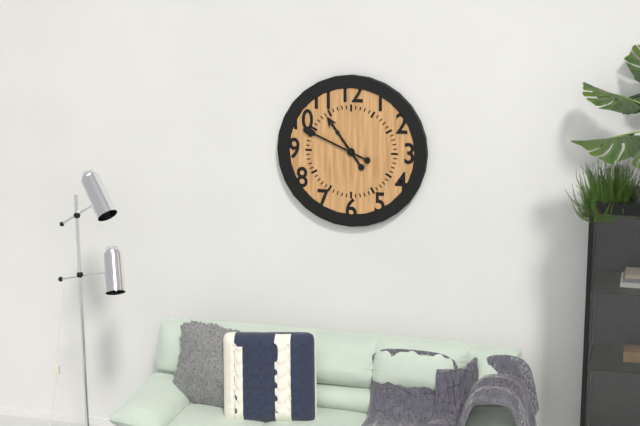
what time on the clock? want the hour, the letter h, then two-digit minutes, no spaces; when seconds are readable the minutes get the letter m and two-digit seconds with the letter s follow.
10h49
